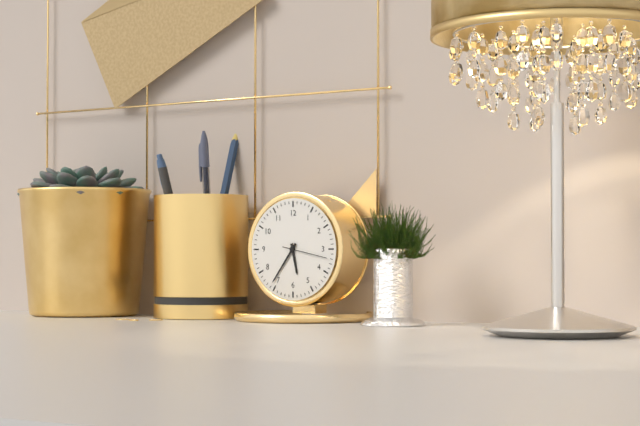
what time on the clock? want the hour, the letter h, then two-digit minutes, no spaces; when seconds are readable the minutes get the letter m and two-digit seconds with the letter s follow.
5h36
